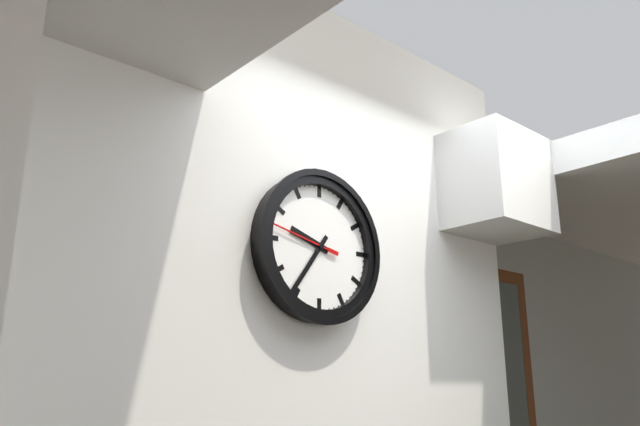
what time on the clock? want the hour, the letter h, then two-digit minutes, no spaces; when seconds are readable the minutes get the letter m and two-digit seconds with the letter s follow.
9h36m47s
